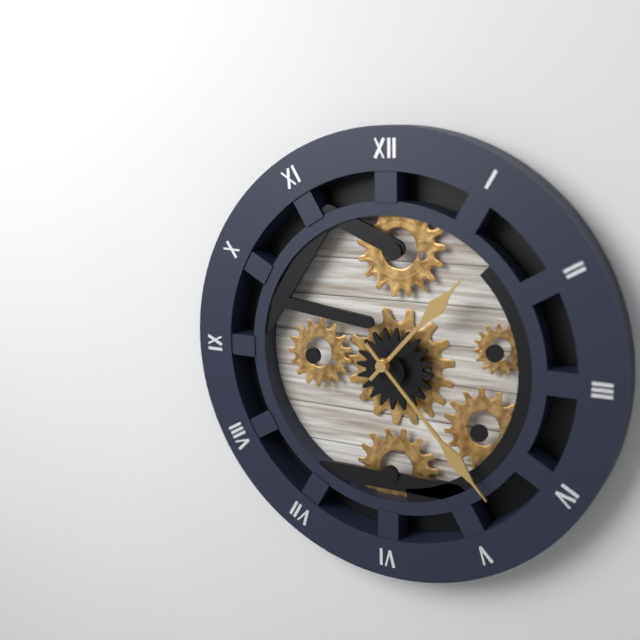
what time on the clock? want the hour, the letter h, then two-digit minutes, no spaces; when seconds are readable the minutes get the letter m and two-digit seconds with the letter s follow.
1h23
